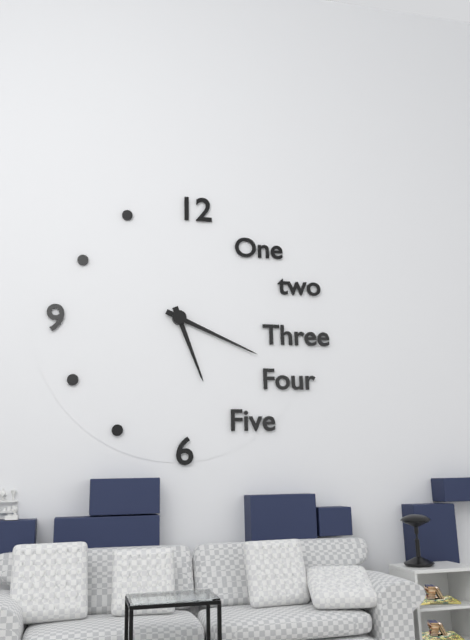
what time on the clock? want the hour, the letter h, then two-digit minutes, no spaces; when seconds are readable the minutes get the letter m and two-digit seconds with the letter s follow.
5h19
